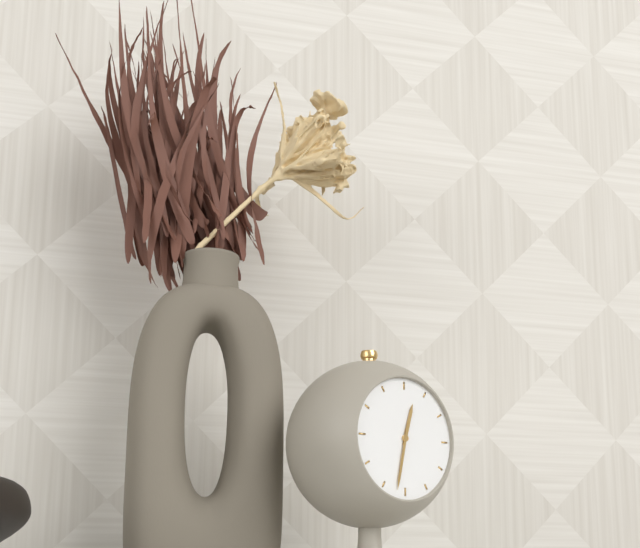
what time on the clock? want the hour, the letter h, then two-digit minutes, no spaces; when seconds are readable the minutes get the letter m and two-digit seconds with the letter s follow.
12h32
